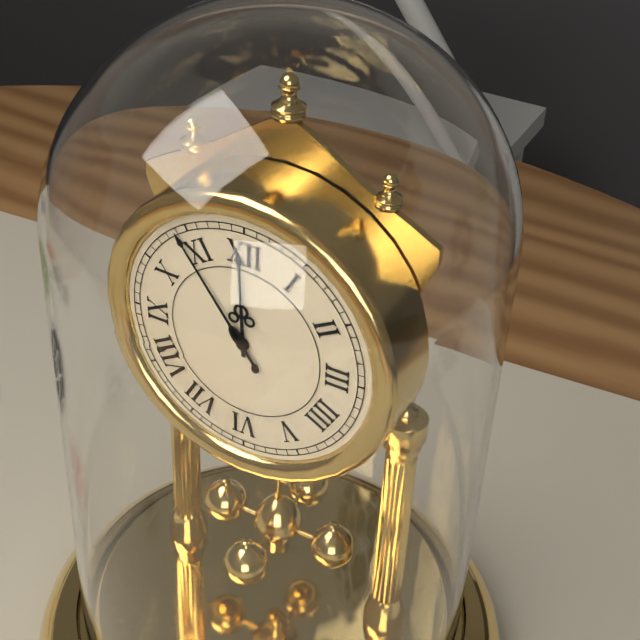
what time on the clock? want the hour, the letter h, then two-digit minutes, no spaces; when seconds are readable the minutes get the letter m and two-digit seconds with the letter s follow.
11h54
